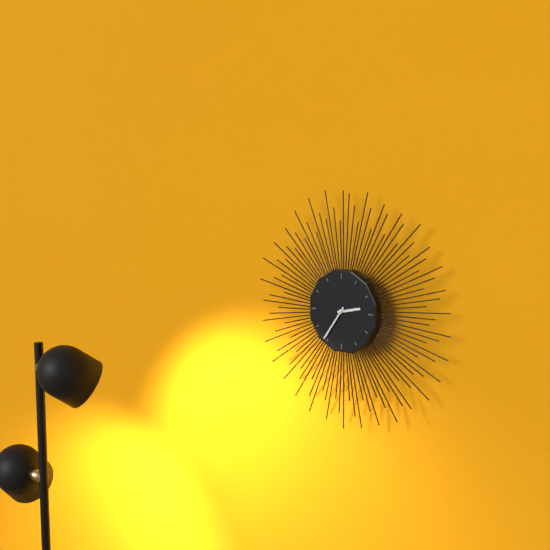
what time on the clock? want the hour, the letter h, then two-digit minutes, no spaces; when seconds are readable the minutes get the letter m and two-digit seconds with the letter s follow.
2h36
